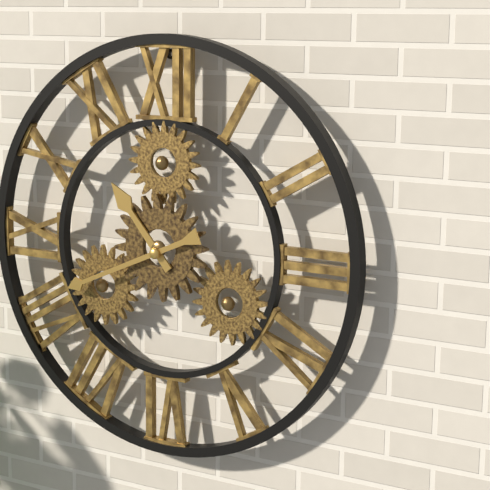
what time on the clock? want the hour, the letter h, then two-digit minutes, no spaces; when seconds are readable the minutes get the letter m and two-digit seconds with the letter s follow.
10h41
